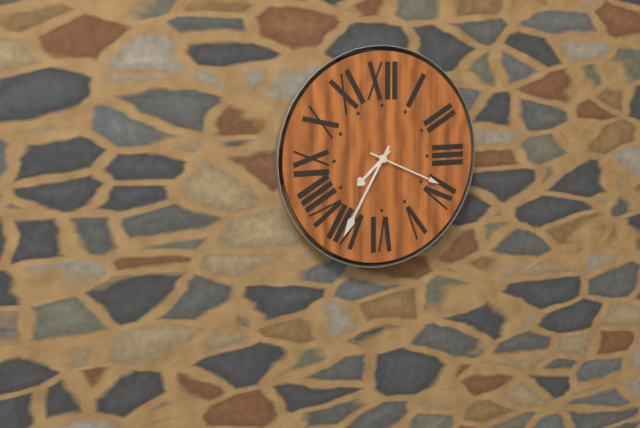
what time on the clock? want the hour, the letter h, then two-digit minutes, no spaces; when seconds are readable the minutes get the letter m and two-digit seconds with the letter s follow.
7h35m19s
